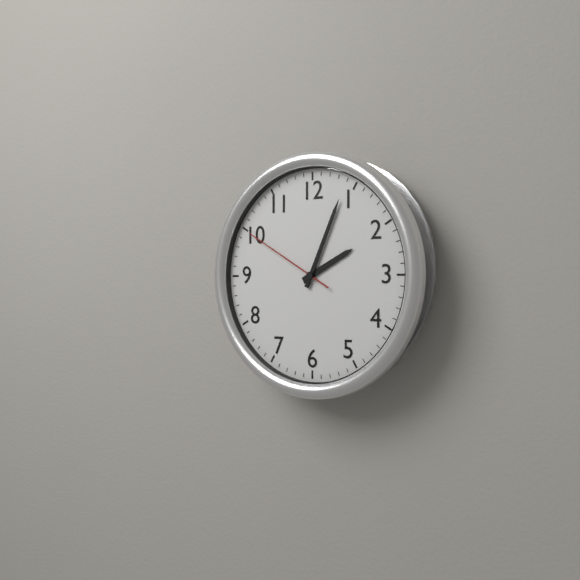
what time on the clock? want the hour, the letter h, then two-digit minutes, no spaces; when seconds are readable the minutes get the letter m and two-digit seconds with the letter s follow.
2h04m50s
